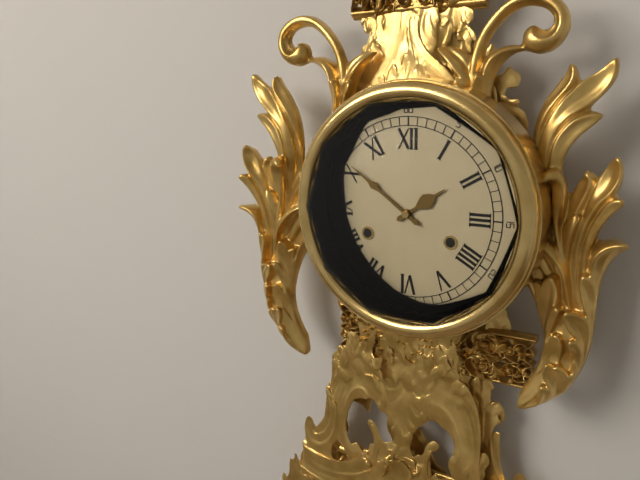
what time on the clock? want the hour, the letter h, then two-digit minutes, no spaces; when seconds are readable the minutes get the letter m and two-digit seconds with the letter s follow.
1h51
